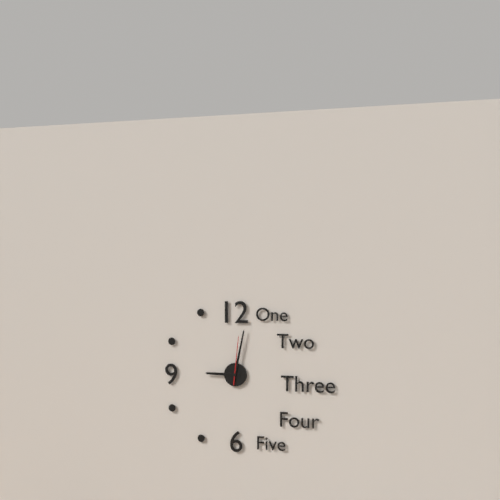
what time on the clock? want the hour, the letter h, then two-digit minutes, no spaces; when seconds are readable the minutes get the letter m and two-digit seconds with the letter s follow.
9h02
